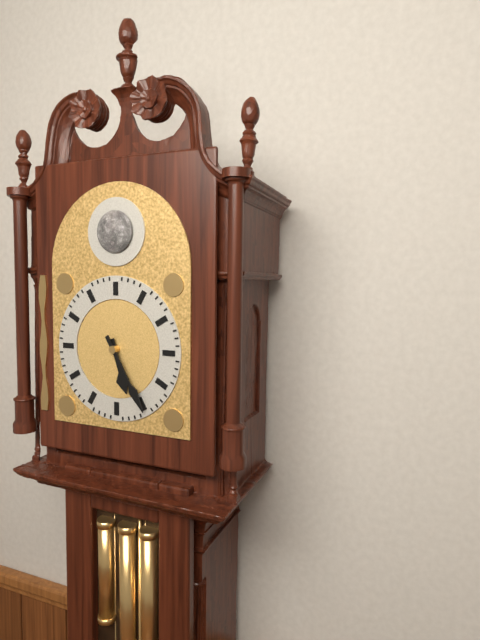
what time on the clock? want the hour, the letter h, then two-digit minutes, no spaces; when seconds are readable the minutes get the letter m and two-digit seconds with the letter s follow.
5h25
